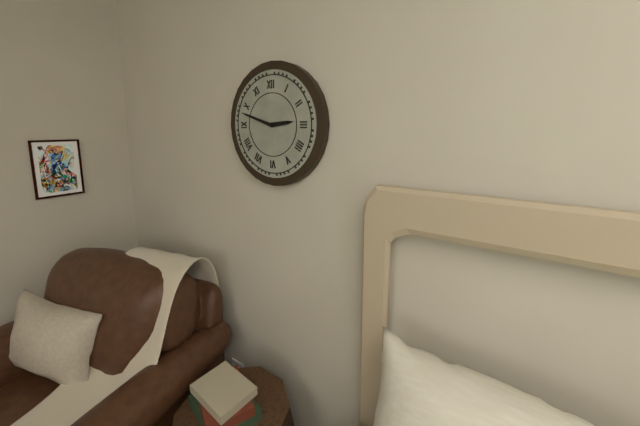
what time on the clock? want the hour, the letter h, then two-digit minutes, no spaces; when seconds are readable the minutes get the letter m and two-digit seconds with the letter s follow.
2h48
